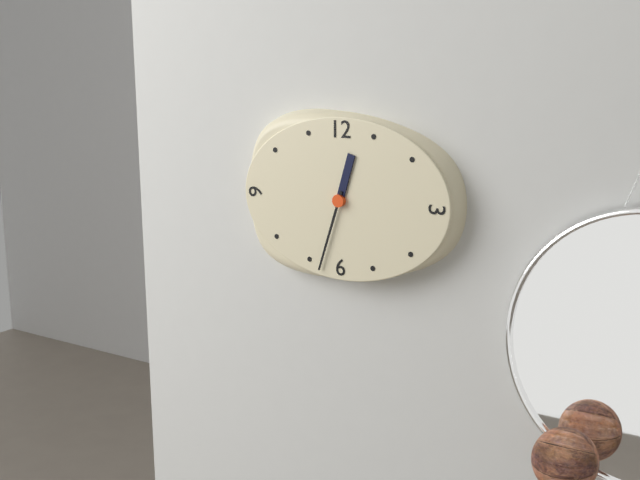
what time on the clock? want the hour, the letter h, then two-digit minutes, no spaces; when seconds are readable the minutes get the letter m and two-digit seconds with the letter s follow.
12h33
